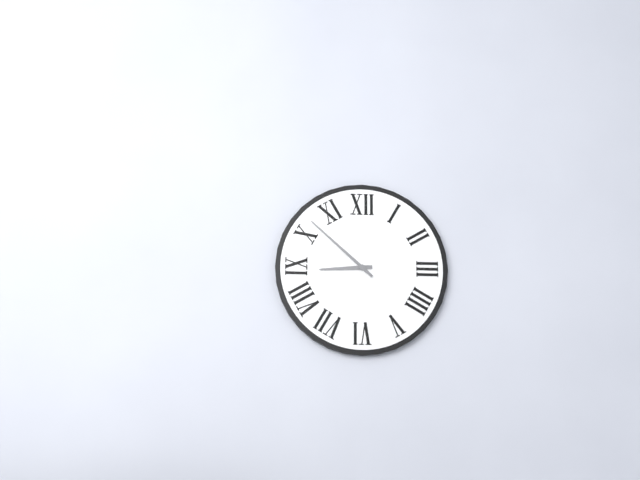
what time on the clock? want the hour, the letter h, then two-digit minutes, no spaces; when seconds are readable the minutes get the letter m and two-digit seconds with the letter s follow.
8h52
